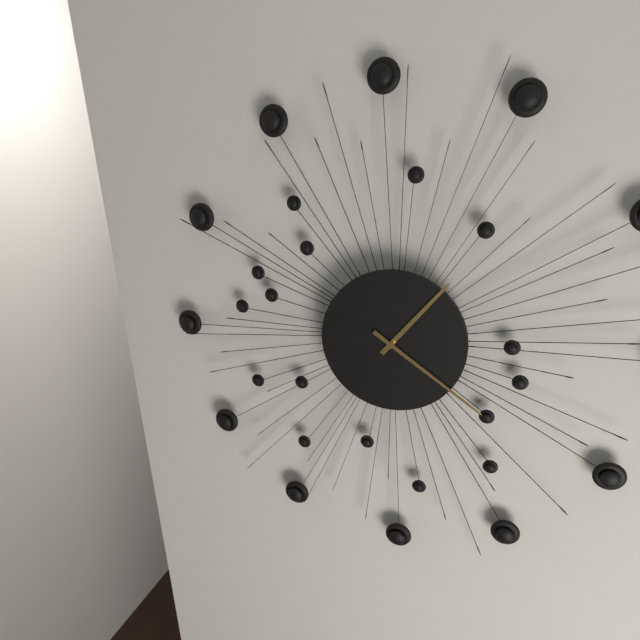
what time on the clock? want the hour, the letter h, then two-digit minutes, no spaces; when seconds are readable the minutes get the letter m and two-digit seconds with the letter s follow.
1h21
